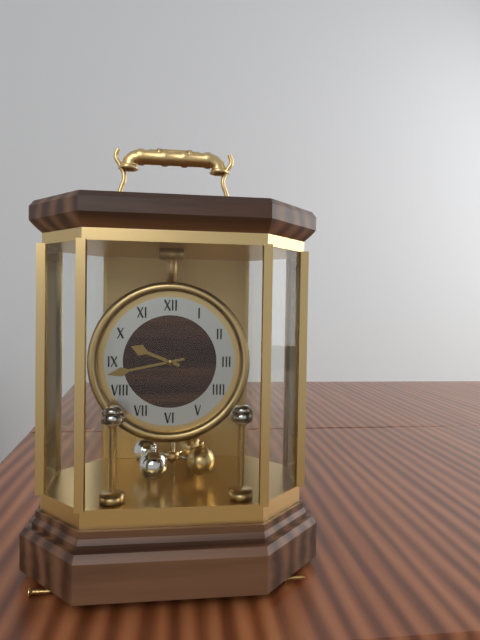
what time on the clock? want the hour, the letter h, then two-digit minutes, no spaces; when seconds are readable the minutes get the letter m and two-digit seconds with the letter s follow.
9h43
